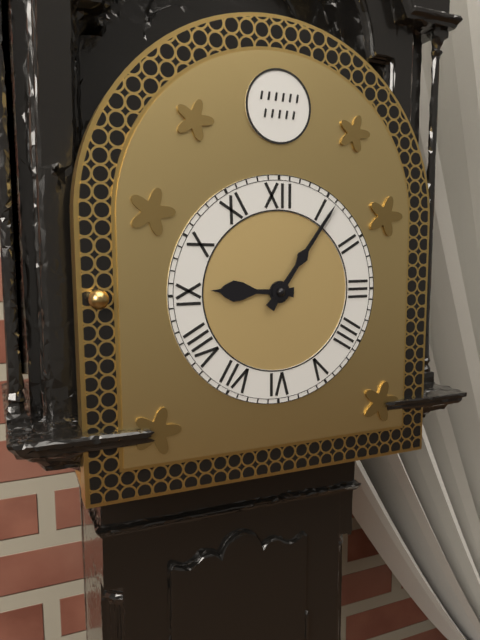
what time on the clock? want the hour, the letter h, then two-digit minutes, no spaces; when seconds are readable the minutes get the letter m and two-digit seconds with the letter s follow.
9h06
